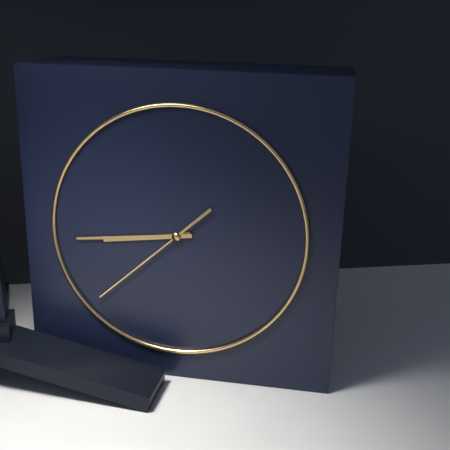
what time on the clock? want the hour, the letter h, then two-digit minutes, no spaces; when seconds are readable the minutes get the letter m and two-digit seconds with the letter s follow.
8h44m38s
